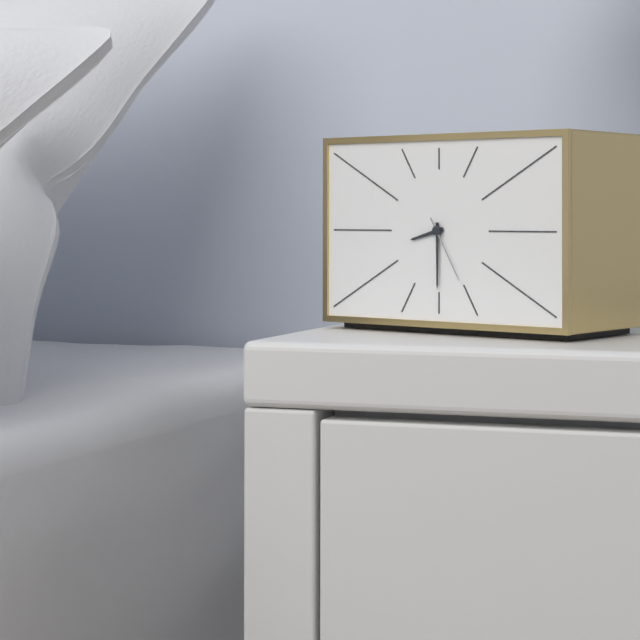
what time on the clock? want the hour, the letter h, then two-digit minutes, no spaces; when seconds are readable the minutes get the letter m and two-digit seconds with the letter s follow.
8h30m25s
